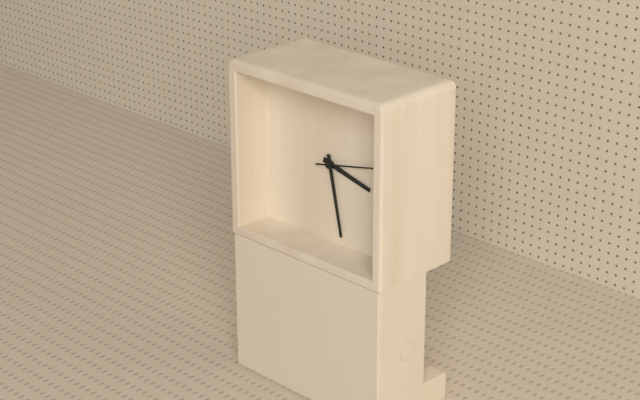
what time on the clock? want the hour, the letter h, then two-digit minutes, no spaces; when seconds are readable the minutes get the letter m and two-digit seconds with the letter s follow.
3h28m13s
